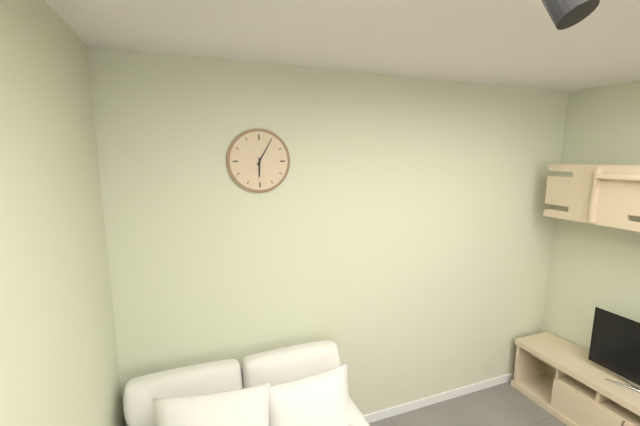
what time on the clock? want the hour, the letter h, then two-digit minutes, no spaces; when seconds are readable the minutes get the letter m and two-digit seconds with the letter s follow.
6h05
